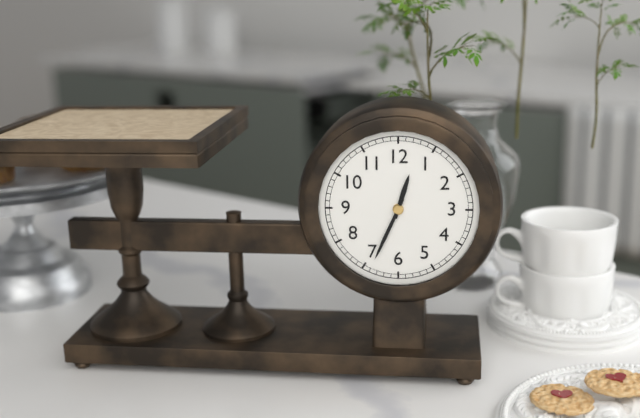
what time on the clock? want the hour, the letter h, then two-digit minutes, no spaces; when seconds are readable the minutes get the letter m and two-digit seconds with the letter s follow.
12h34
